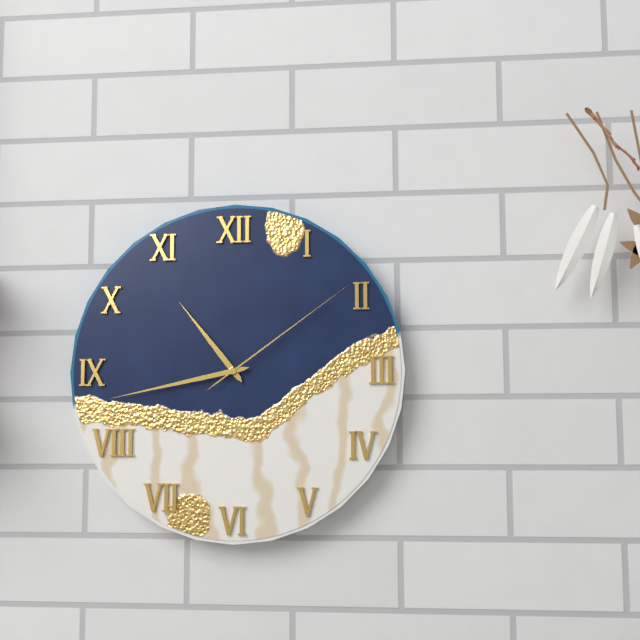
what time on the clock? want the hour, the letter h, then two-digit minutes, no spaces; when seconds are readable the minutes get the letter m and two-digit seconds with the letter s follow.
10h43m09s
